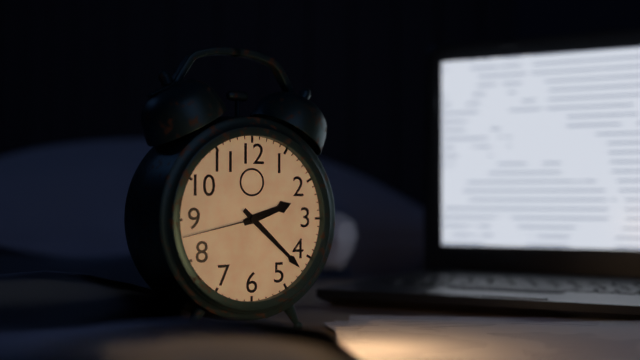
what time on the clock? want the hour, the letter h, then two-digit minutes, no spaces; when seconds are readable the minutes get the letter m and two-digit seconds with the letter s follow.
2h22m43s
